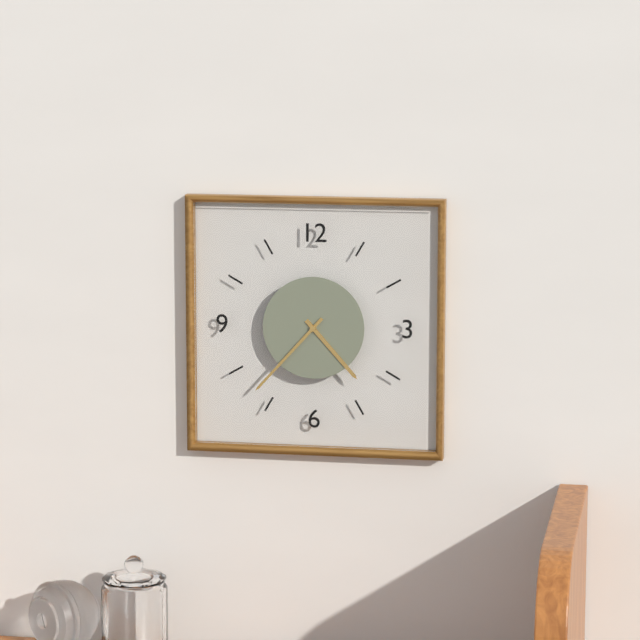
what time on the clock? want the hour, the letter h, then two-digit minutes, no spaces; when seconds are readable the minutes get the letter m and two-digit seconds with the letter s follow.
4h37
